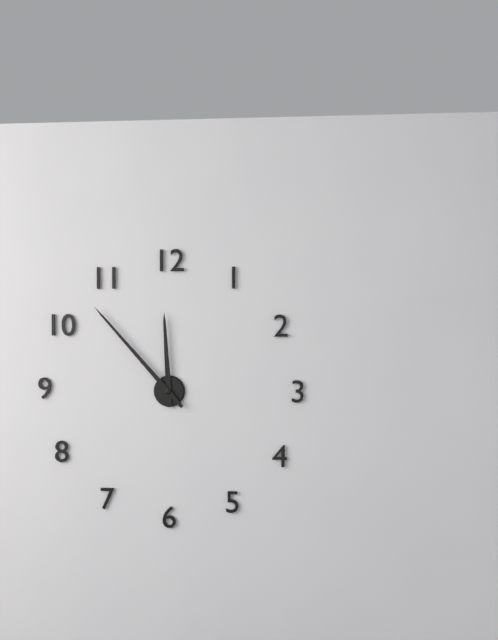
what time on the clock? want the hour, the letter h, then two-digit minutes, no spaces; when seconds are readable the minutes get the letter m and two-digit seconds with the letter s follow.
11h53
